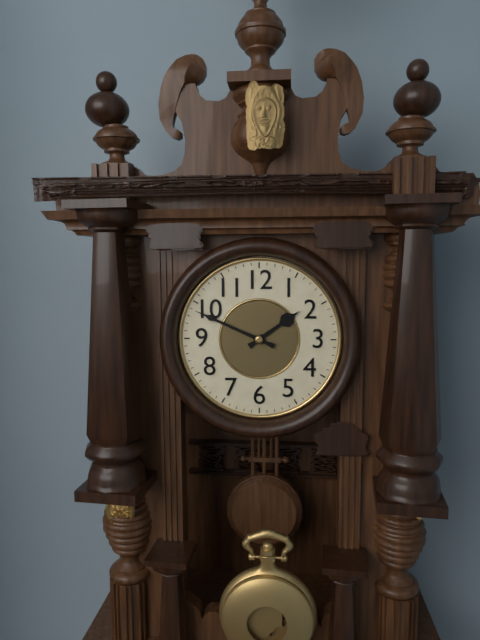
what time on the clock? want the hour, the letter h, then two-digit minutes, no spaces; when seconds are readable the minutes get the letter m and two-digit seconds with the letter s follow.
1h49
